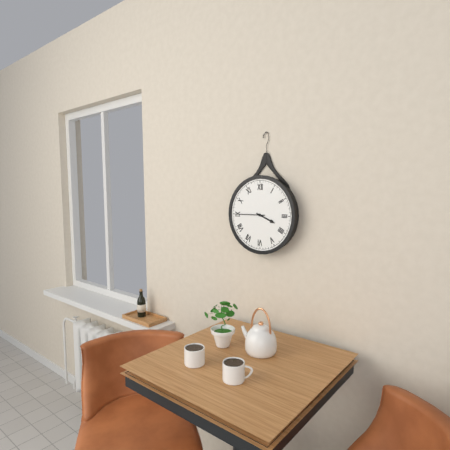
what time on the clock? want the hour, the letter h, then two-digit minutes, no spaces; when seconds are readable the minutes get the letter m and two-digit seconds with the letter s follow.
3h45
